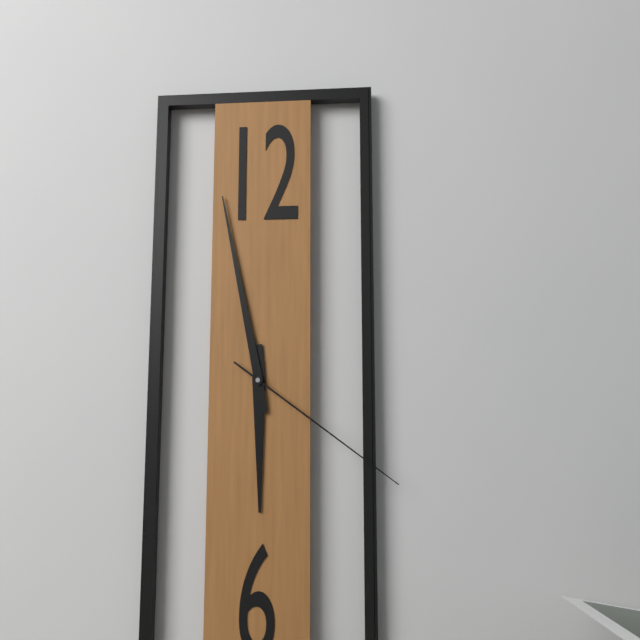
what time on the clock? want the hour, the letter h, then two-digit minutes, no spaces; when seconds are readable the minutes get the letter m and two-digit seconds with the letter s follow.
5h58m21s
